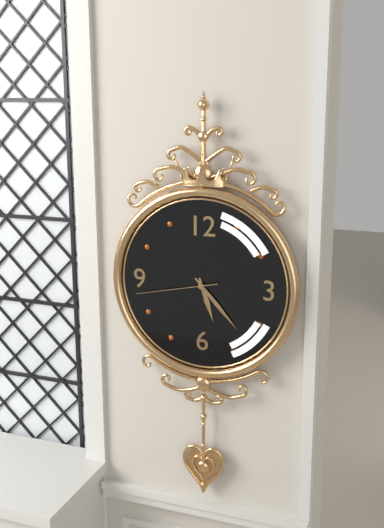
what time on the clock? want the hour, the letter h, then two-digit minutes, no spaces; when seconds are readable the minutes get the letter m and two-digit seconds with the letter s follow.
5h23m43s
